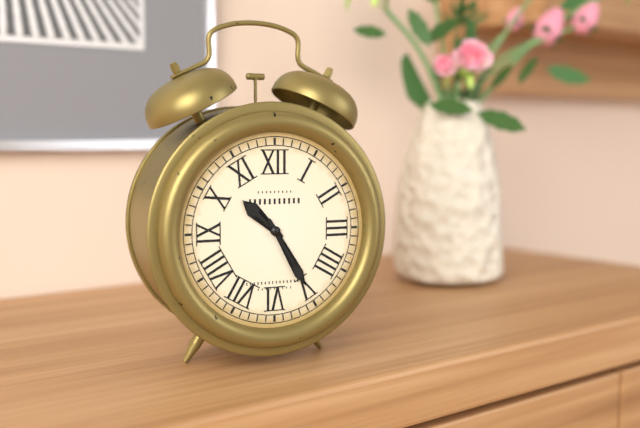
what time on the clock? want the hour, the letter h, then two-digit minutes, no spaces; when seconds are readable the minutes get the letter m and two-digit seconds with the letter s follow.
10h25
